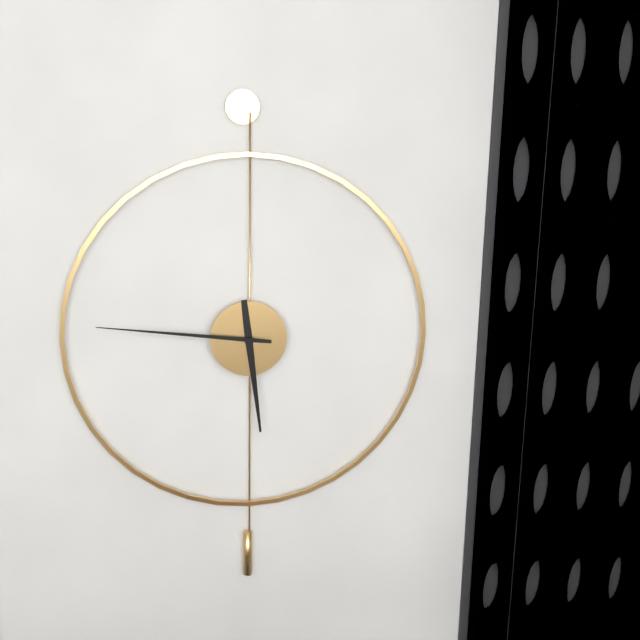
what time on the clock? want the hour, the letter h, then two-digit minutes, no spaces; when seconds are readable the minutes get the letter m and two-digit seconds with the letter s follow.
5h46
